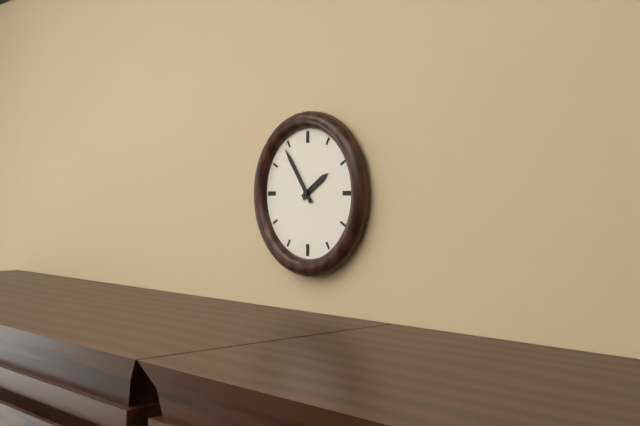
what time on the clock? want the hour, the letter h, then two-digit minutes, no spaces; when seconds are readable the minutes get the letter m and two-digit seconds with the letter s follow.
1h54
